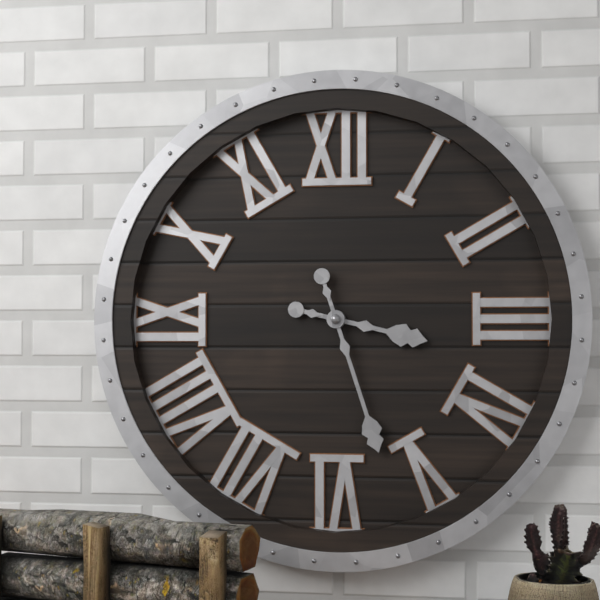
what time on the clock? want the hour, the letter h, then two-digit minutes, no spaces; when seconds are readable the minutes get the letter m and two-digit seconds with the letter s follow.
3h27
